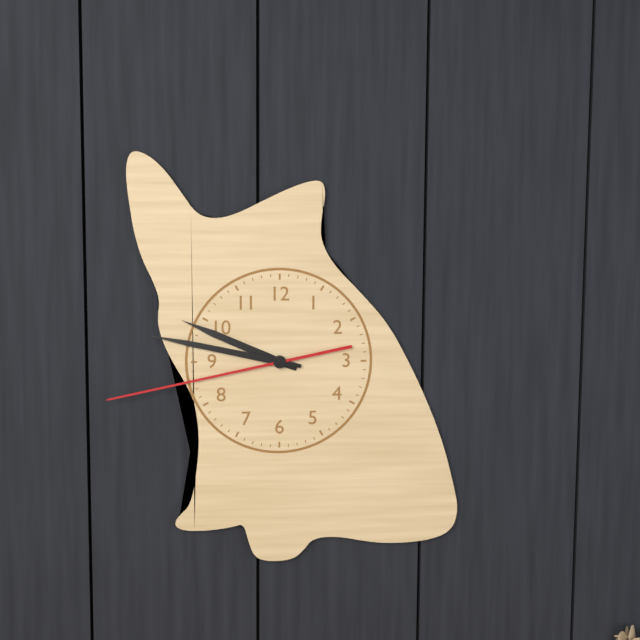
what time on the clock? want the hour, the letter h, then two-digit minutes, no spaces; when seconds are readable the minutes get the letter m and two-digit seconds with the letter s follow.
9h47m43s
